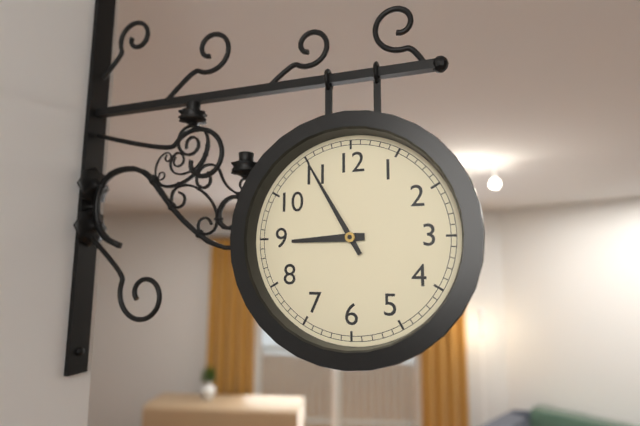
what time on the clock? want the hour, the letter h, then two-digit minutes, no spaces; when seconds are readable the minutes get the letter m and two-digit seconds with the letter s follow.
8h55
